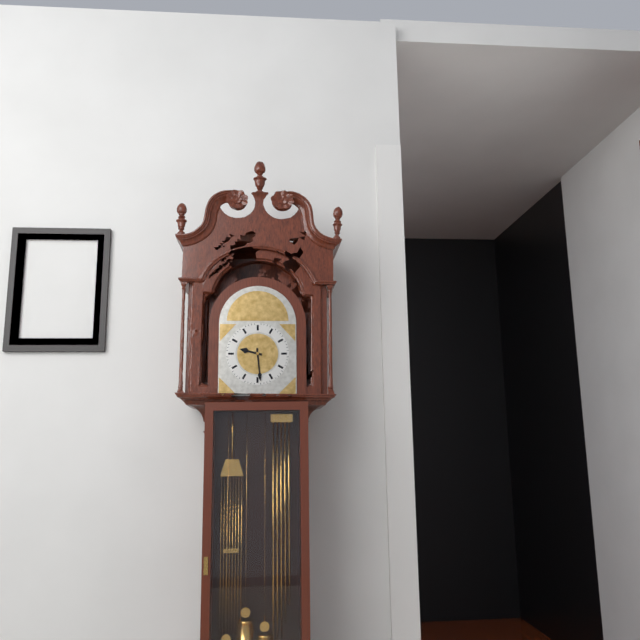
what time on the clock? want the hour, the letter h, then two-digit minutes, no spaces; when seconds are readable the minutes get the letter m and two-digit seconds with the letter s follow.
9h29
